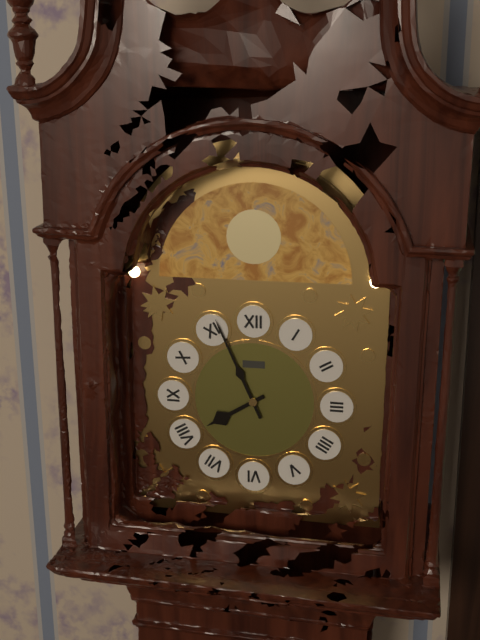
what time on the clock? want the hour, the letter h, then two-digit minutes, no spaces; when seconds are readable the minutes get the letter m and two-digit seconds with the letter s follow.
7h56
